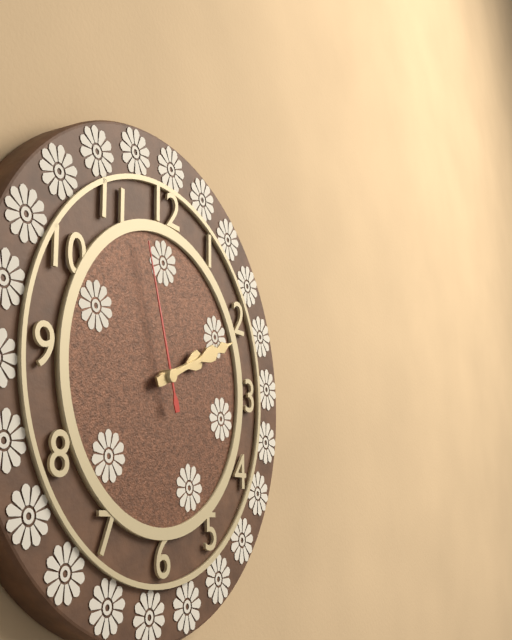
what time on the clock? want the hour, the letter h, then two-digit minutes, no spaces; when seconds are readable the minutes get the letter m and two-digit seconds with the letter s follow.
2h11m57s
